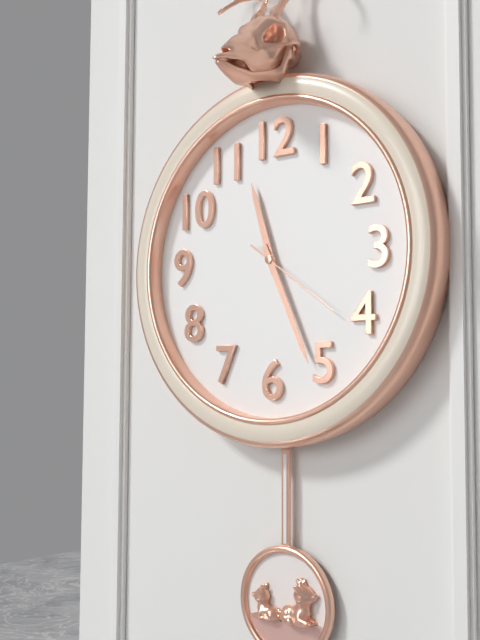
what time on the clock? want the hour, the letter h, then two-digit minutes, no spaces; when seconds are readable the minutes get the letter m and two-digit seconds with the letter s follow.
11h26m21s
